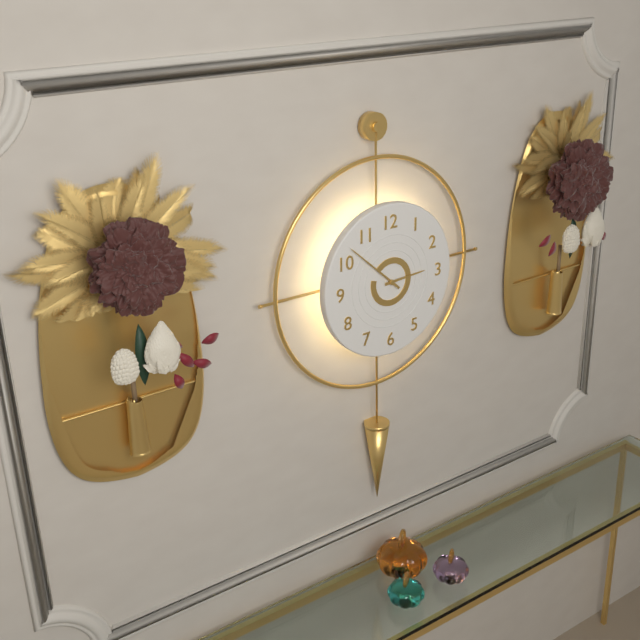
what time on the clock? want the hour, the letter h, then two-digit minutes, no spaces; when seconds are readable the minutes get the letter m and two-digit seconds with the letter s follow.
2h52
